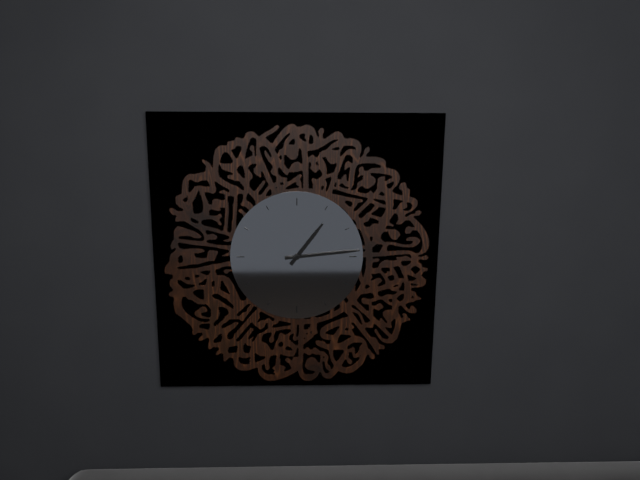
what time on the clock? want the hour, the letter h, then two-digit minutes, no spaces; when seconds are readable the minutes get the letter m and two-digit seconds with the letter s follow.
1h14
